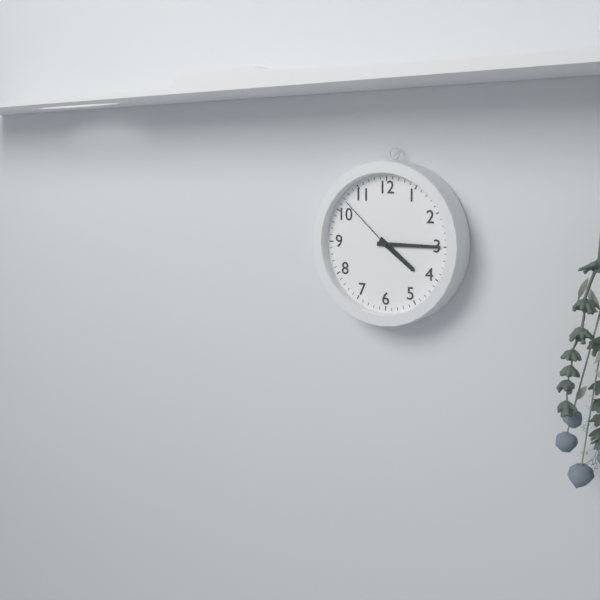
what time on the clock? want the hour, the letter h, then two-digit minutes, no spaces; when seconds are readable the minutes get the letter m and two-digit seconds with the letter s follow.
4h15m52s
